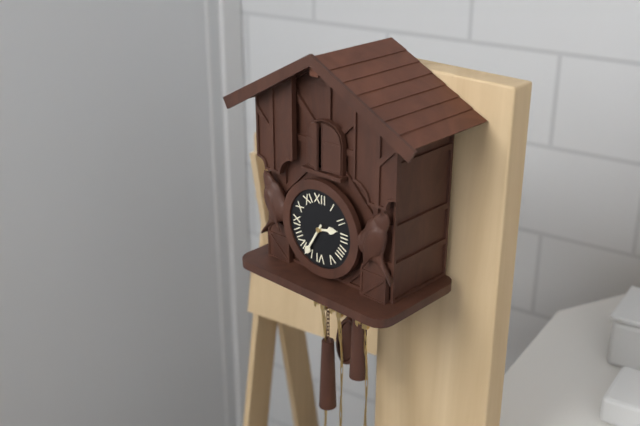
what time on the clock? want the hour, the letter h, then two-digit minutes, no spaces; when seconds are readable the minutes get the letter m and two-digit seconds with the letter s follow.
2h35
